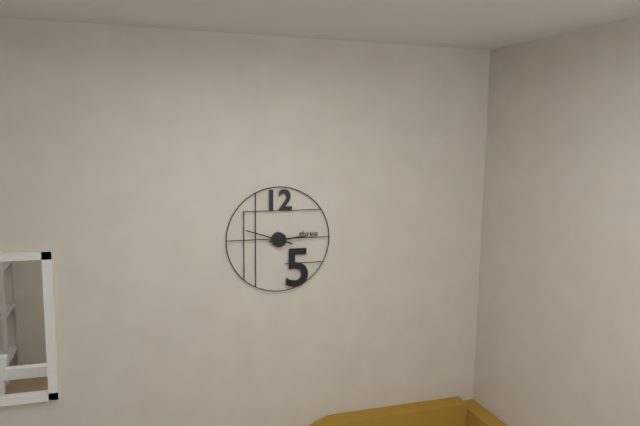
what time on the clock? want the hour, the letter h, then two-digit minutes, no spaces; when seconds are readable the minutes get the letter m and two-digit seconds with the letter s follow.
2h48
